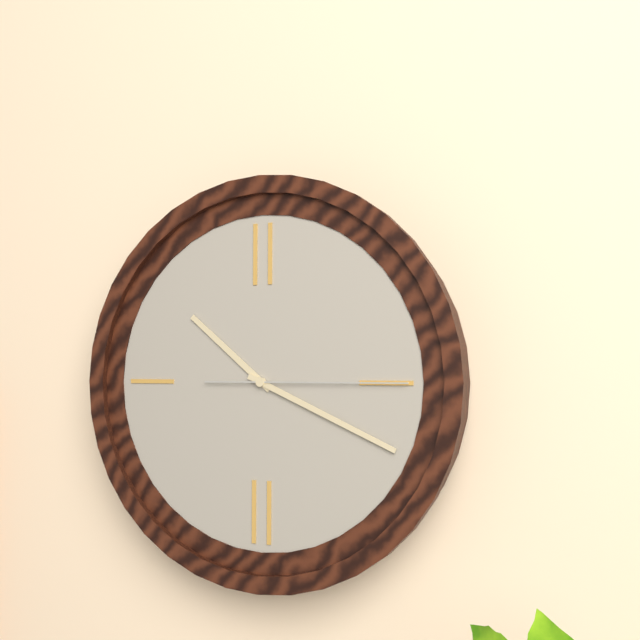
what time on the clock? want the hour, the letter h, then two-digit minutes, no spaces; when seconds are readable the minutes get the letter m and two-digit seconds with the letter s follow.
10h19m15s
